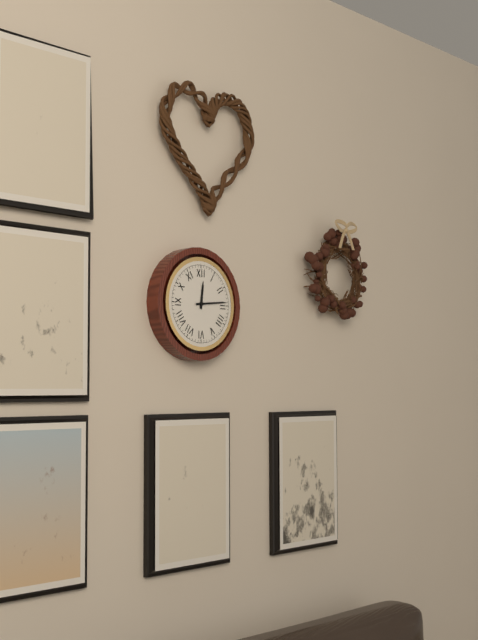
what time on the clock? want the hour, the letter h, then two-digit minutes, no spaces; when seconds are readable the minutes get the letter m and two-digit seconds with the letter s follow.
12h14
